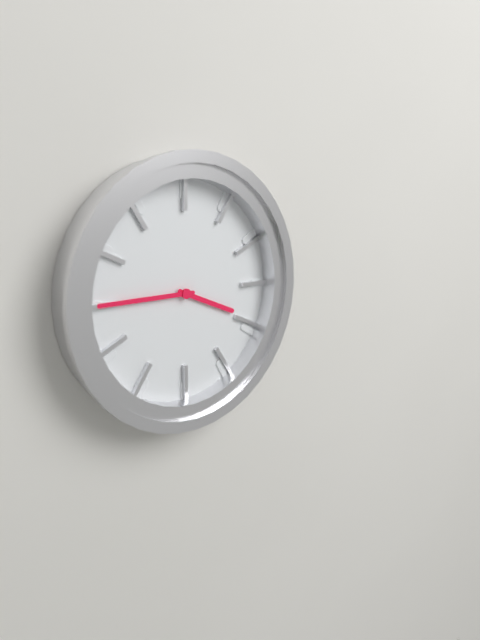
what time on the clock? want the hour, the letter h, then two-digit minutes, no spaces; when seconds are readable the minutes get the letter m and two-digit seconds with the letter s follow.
3h45
